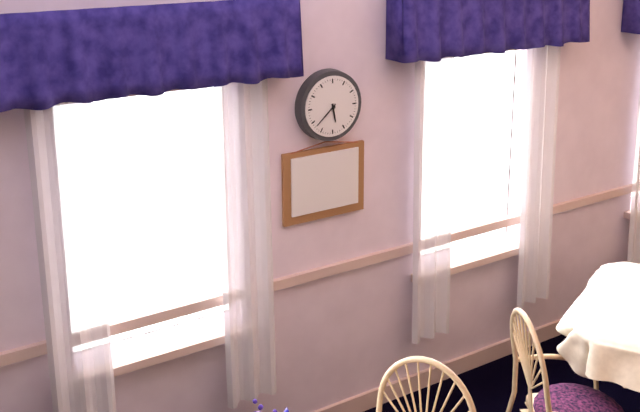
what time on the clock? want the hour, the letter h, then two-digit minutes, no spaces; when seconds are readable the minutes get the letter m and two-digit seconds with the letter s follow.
5h38
